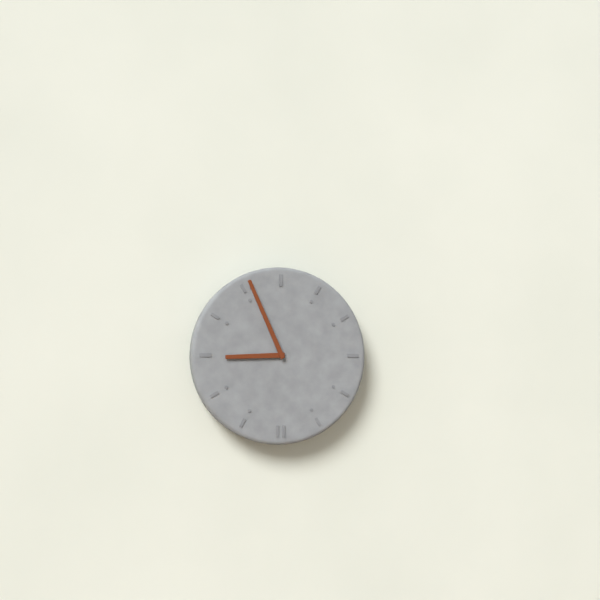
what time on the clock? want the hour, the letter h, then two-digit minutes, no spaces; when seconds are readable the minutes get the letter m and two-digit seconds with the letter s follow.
8h56
